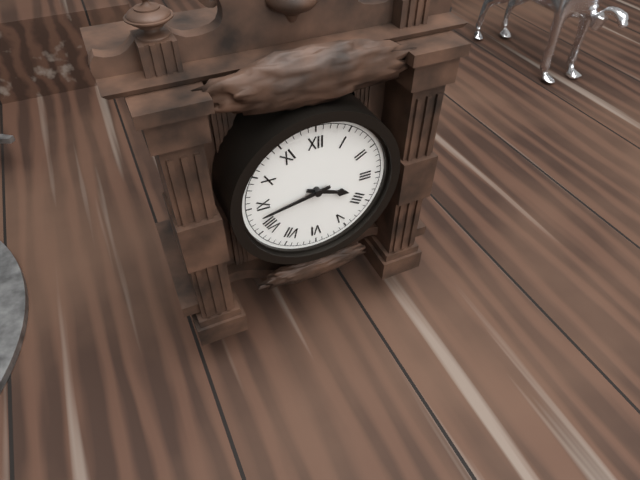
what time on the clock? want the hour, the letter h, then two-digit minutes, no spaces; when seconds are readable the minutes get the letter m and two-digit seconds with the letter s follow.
3h43
